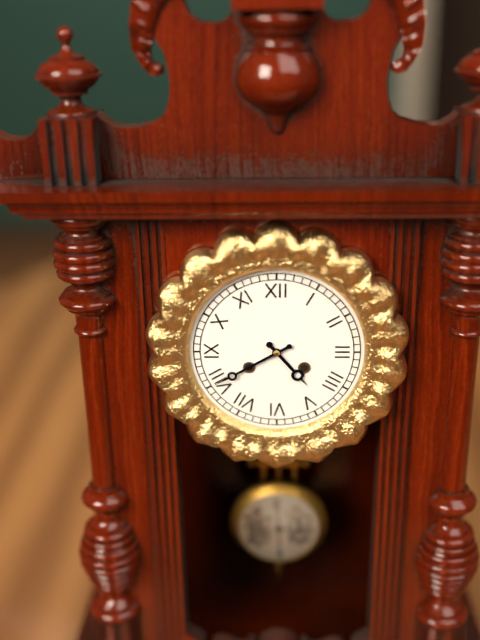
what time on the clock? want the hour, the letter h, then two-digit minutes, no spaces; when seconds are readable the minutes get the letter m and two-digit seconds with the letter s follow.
4h40
